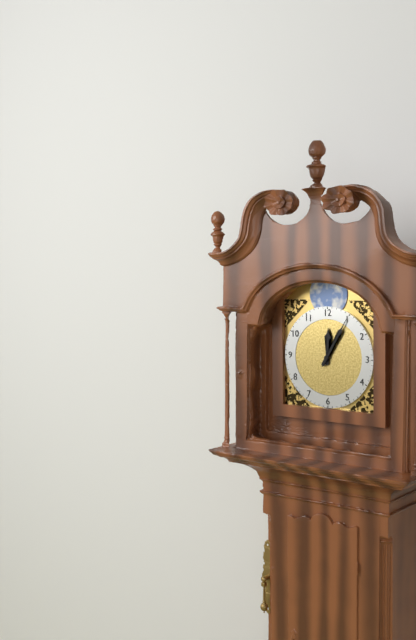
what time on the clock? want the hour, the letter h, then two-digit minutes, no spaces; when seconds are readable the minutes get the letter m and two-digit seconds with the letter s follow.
12h05
